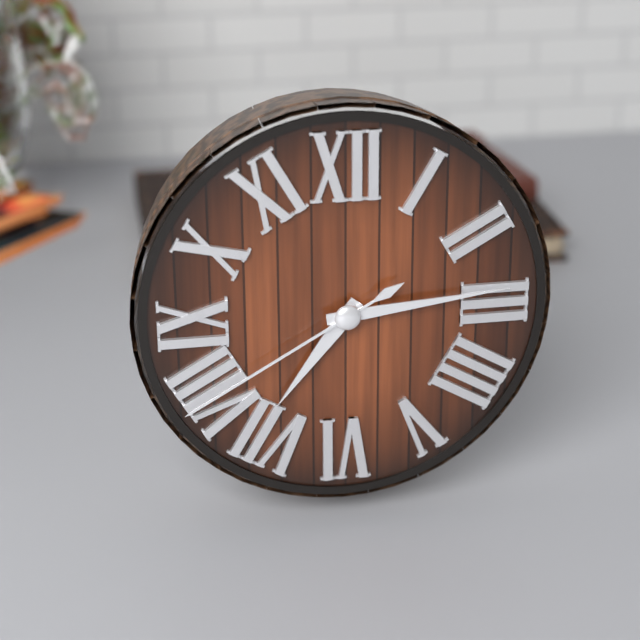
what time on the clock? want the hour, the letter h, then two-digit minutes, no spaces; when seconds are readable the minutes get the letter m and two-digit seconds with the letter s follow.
7h14m40s
